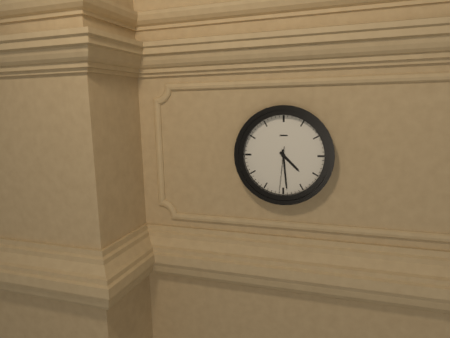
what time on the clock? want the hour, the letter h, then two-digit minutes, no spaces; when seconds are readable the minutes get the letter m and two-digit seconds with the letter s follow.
4h29
